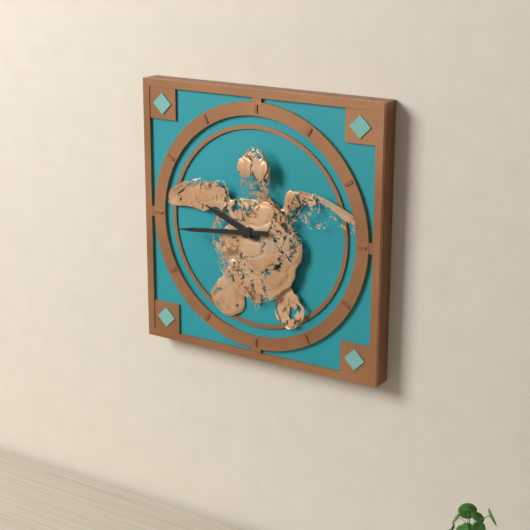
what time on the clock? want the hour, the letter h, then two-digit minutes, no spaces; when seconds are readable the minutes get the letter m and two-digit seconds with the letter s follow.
9h44
